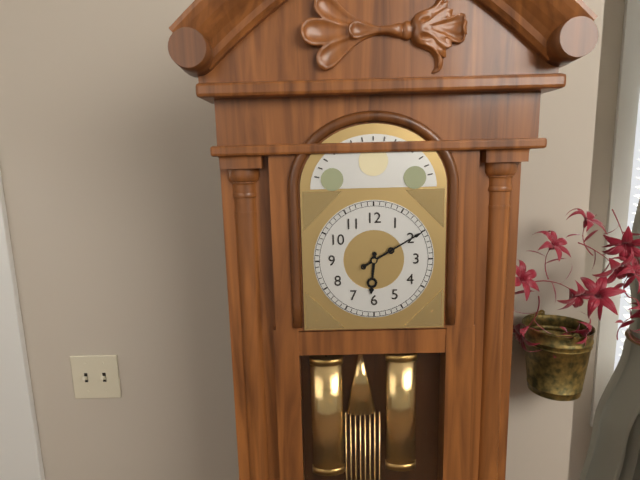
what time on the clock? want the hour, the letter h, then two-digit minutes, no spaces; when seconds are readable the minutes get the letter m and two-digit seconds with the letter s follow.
6h10
